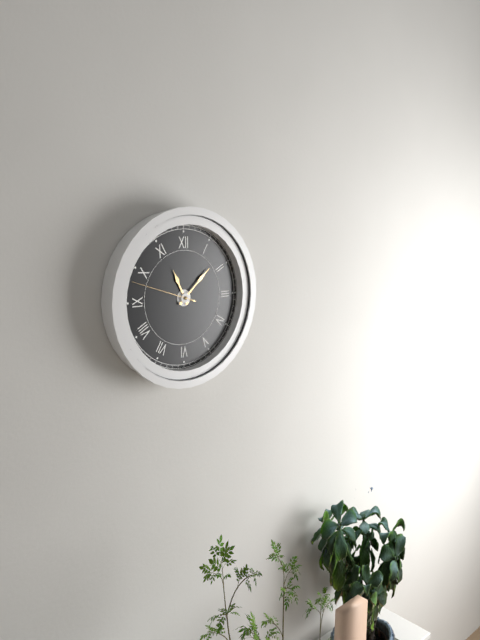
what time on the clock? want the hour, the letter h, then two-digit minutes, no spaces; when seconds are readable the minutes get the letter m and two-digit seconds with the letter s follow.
11h08m48s
